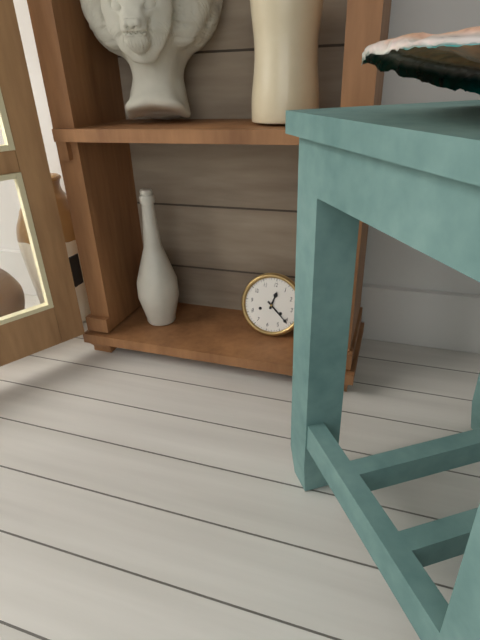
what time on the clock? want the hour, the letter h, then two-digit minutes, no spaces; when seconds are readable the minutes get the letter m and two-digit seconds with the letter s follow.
12h21
